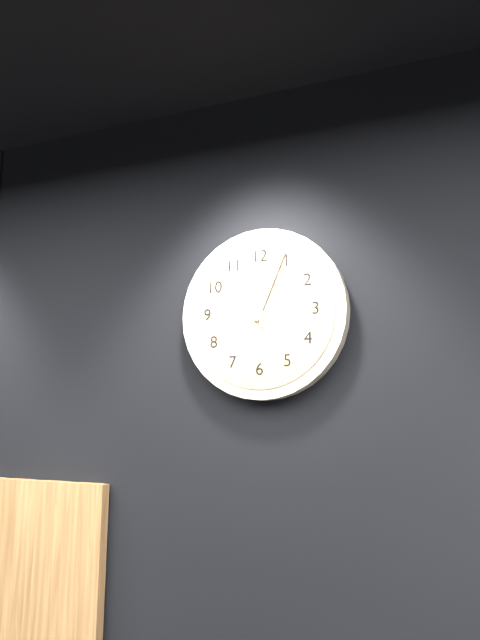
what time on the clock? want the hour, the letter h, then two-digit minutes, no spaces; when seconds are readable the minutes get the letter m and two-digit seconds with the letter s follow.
12h04m58s
